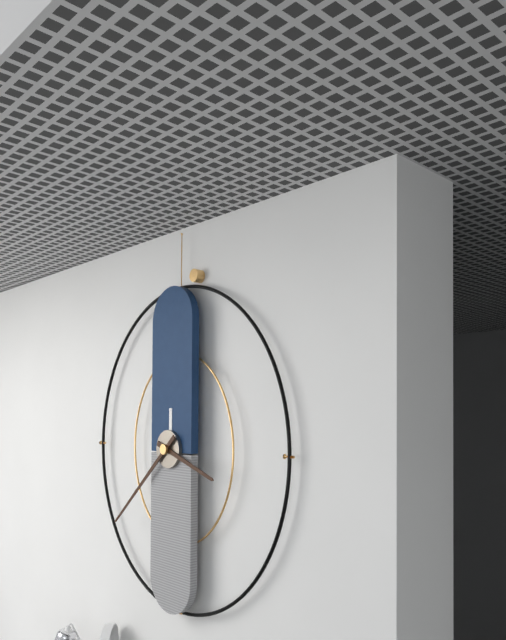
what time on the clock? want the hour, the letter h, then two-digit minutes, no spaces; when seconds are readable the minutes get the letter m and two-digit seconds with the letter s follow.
3h38
